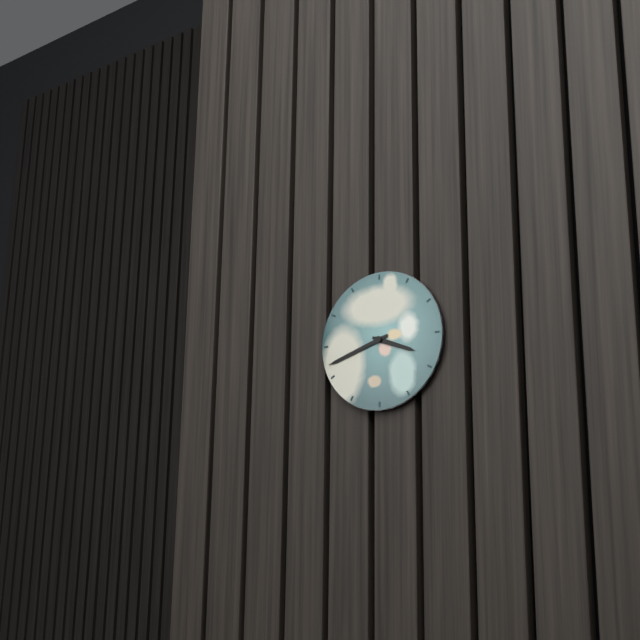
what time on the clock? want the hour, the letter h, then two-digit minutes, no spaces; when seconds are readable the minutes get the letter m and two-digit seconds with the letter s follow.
3h42
